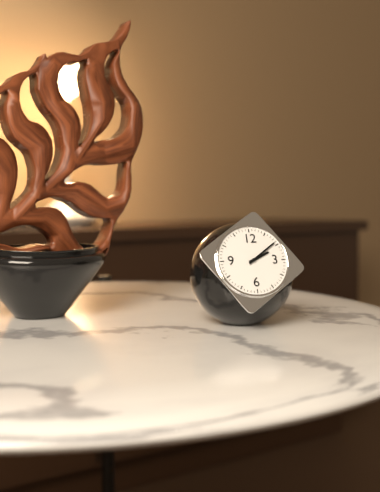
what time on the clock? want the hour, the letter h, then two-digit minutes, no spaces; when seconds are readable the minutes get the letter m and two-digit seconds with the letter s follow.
2h09
